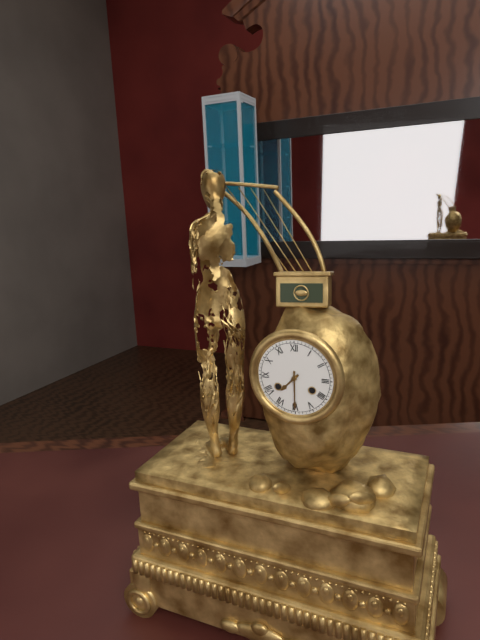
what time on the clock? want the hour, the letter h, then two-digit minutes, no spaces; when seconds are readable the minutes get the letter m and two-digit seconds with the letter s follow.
7h30
